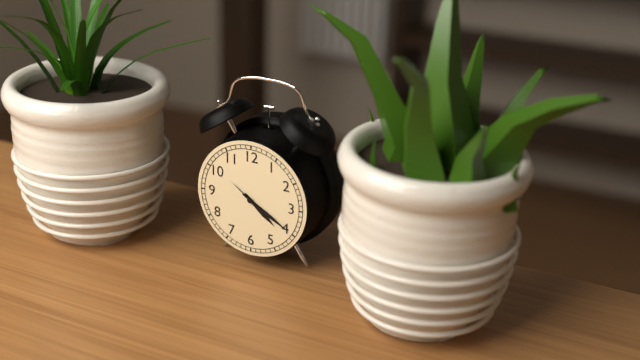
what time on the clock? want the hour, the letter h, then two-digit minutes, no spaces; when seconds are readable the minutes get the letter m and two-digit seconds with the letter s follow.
4h20
